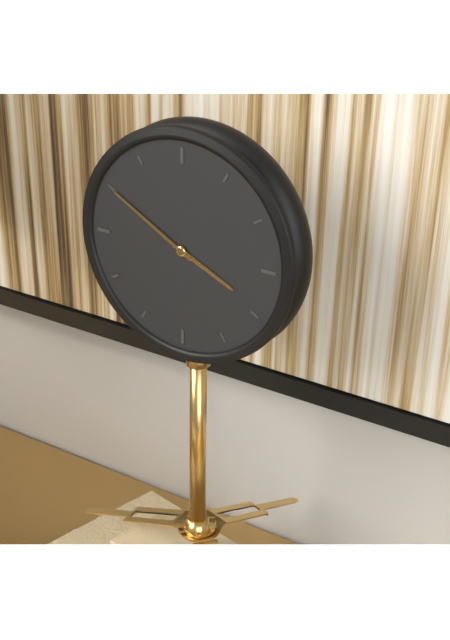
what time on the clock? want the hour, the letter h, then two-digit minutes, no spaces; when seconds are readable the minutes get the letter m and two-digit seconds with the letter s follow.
3h50
